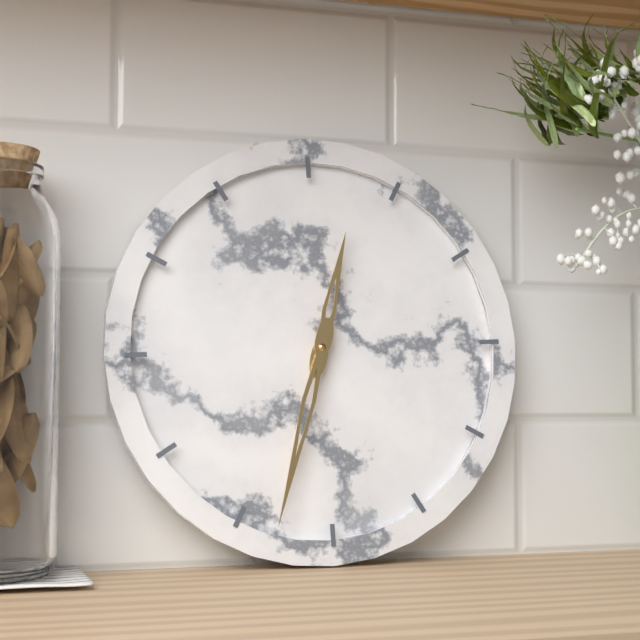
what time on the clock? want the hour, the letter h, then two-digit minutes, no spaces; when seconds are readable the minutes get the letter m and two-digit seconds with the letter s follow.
12h33
